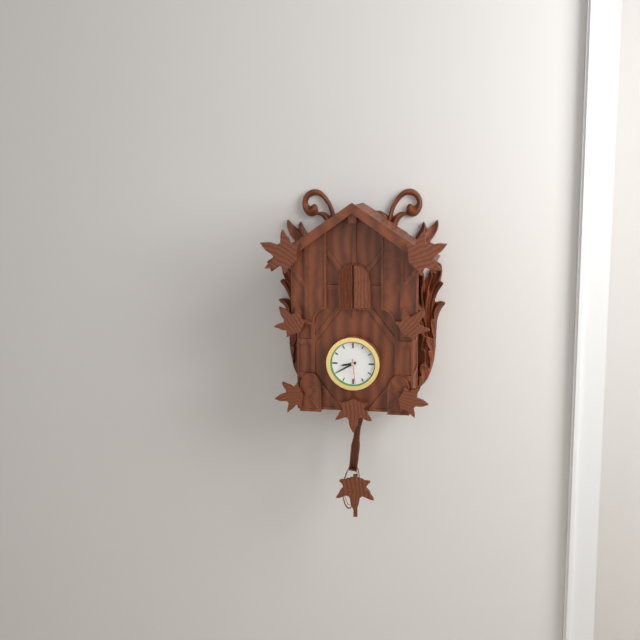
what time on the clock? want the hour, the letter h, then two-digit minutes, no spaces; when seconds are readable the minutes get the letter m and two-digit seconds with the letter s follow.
8h40
